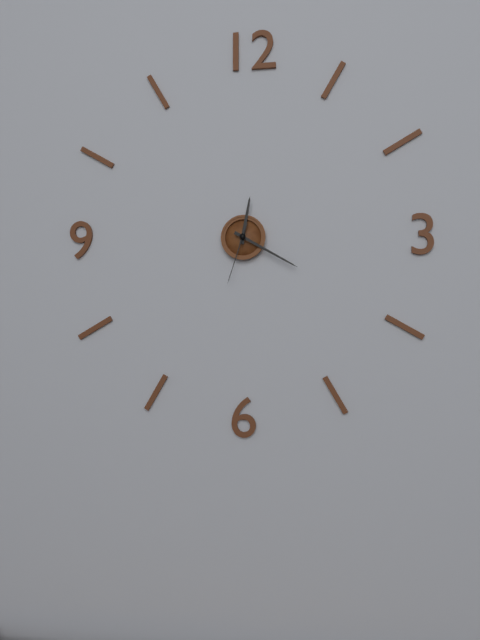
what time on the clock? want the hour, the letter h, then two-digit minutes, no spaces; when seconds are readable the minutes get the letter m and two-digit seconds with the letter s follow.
12h20m33s
